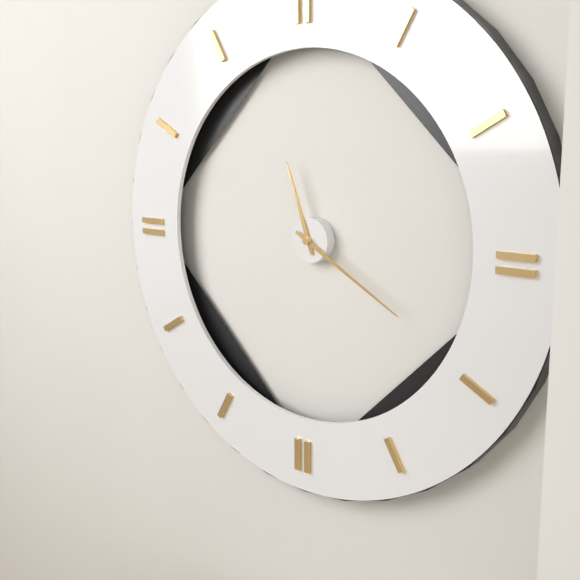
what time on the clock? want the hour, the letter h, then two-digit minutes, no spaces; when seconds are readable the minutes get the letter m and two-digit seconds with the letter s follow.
11h20
